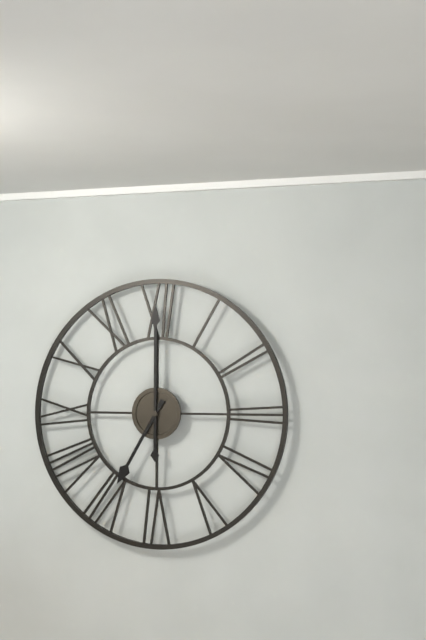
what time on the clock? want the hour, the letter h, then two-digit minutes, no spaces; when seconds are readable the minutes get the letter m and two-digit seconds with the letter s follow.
7h00
